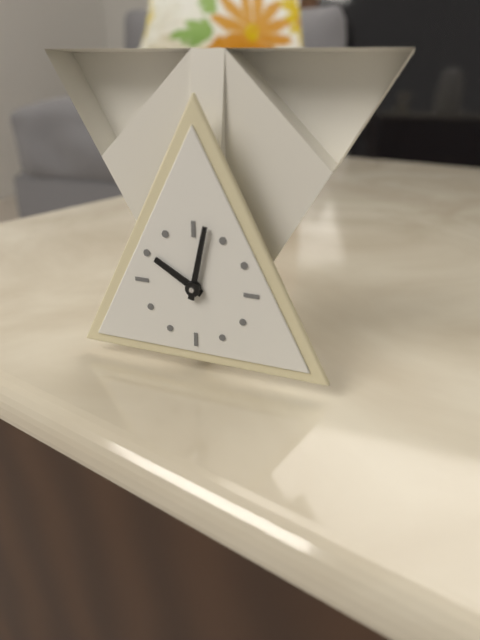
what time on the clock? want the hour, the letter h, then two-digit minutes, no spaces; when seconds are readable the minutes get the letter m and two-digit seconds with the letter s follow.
10h02
